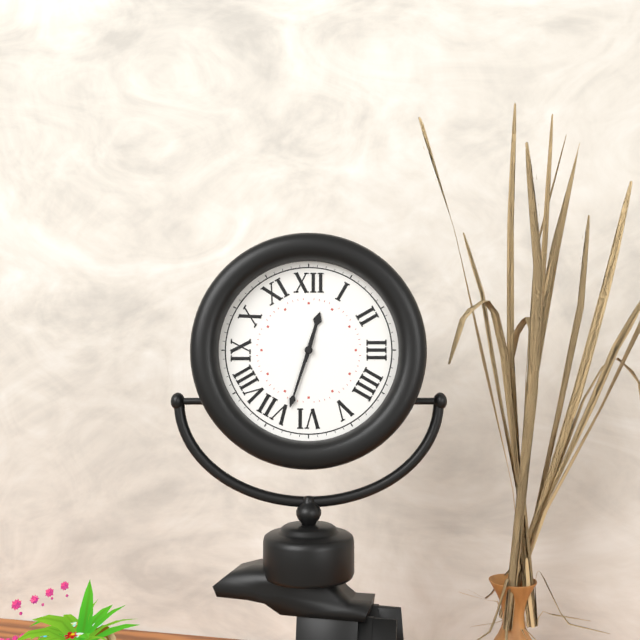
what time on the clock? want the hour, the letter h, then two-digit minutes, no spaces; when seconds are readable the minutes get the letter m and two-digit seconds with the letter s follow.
12h33
